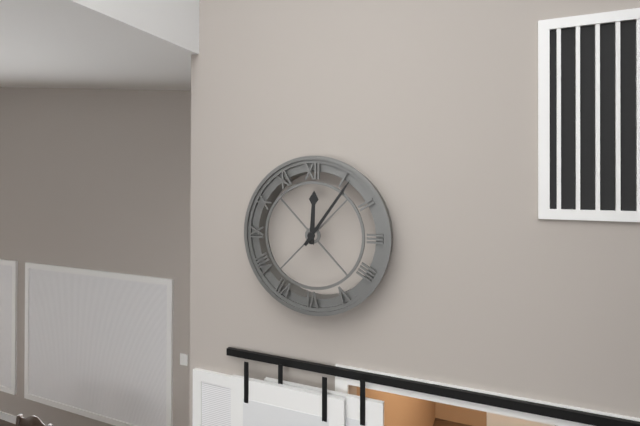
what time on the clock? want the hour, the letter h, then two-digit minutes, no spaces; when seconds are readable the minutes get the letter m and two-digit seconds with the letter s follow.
12h06
